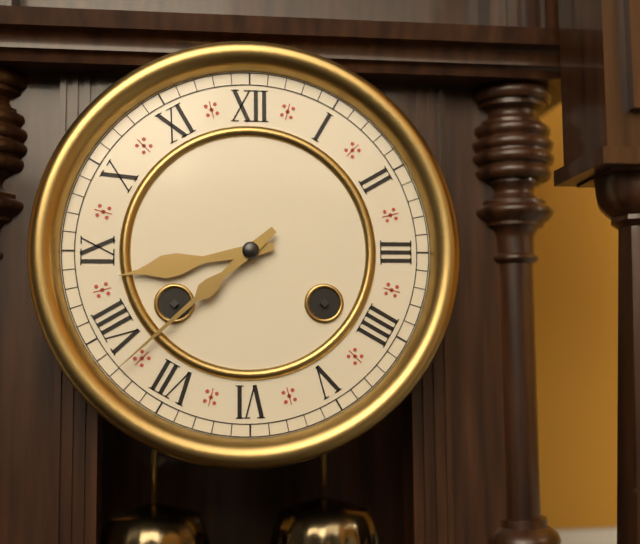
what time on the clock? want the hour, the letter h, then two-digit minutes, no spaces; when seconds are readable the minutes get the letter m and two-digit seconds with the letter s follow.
8h38
